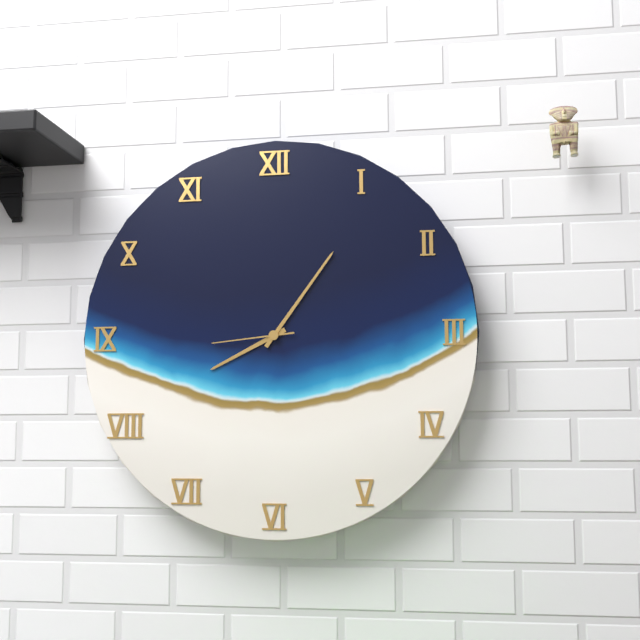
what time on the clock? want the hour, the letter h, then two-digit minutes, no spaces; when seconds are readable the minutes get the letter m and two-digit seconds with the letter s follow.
8h06m44s
